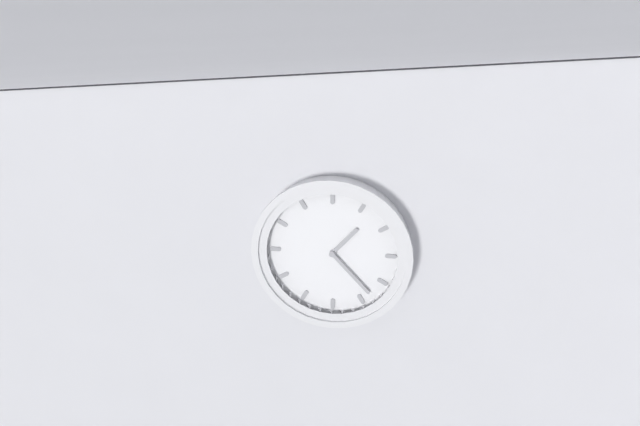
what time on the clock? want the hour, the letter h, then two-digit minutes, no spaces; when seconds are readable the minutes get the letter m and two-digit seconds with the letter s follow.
1h23
